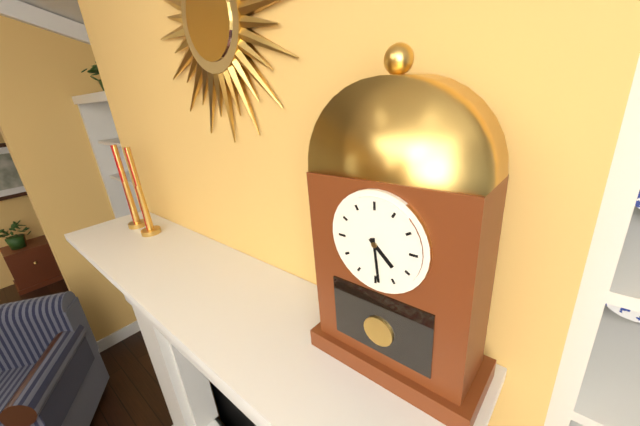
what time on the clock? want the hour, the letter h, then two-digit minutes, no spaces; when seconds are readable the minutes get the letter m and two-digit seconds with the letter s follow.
4h29
